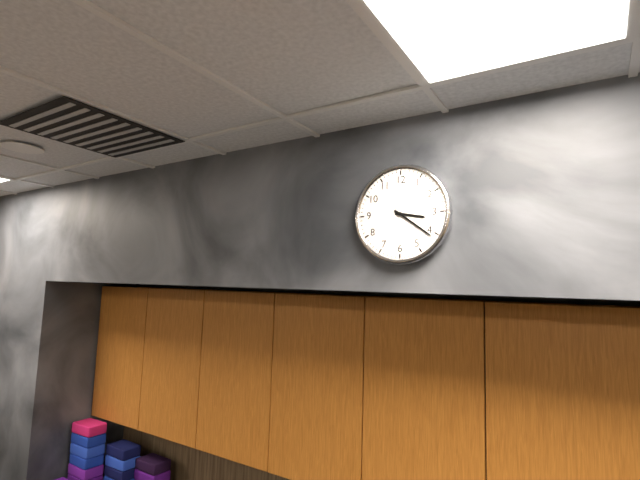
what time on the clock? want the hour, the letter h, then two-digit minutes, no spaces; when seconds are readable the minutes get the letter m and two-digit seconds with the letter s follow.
3h21
